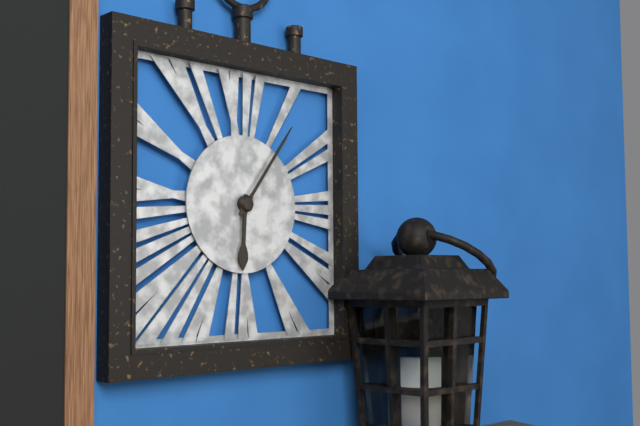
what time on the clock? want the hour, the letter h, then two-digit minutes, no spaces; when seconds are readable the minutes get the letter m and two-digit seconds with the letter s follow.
6h06
